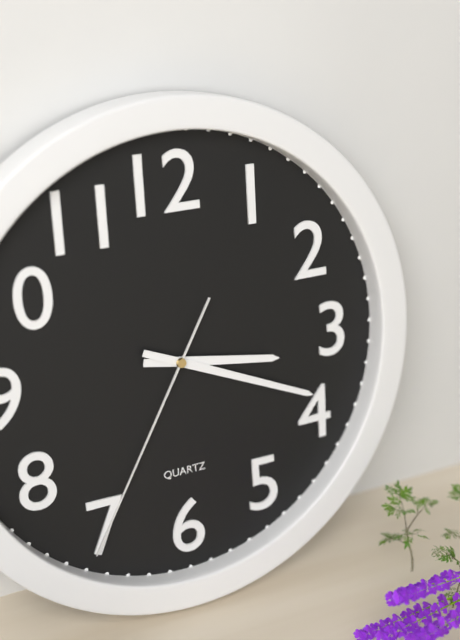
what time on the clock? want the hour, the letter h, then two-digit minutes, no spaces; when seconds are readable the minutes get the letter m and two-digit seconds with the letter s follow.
3h19m35s
